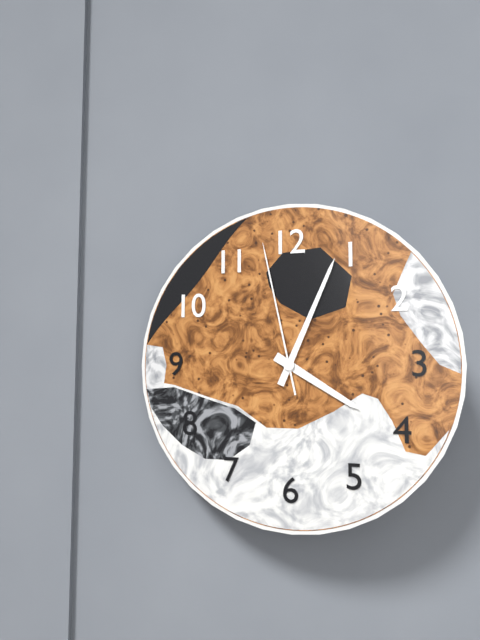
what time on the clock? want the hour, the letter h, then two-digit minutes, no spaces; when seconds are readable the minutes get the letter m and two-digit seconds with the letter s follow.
4h04m58s
